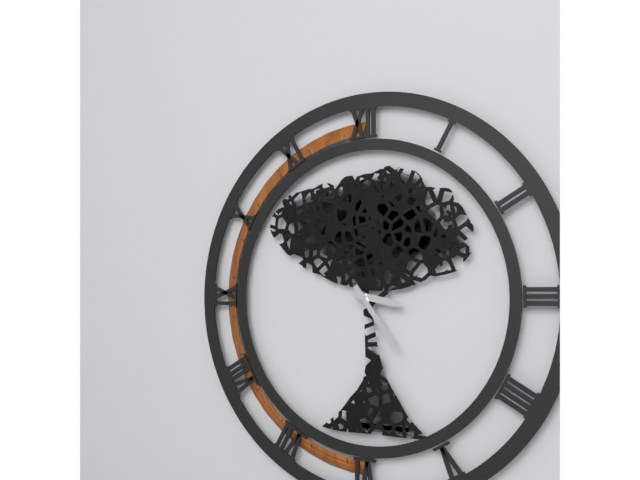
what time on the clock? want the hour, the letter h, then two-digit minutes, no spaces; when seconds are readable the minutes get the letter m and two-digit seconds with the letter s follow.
3h24
